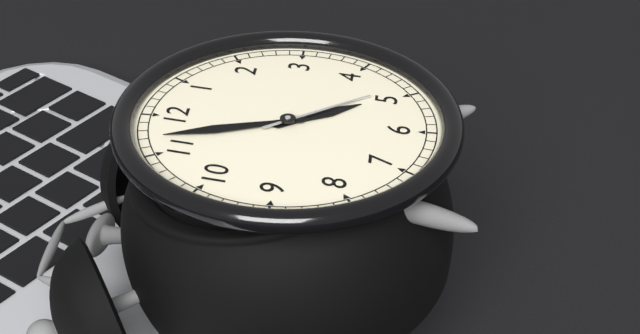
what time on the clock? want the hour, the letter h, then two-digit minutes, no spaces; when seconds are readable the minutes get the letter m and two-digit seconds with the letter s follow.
4h57m24s
